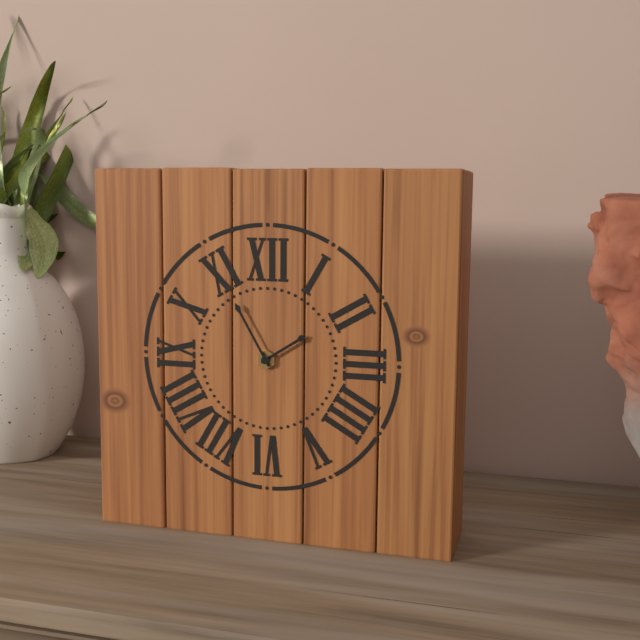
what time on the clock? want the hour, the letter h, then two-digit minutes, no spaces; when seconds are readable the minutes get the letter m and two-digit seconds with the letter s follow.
1h55
